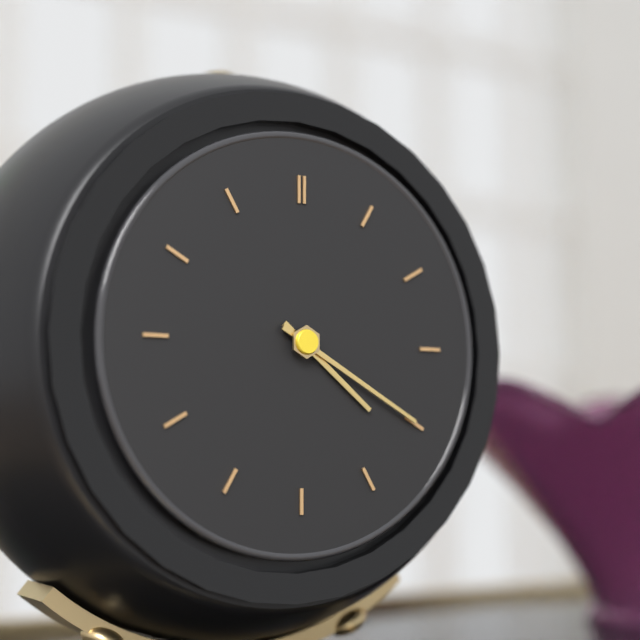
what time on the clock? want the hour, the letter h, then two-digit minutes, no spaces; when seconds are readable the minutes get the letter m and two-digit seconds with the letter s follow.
4h20
